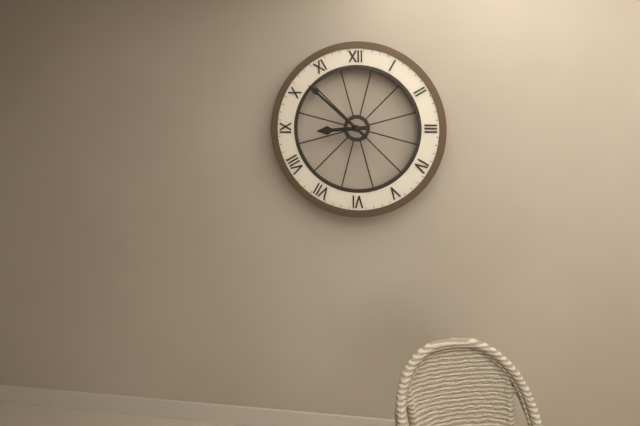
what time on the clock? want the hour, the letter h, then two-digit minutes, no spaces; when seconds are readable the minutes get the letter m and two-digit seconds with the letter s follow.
8h52
